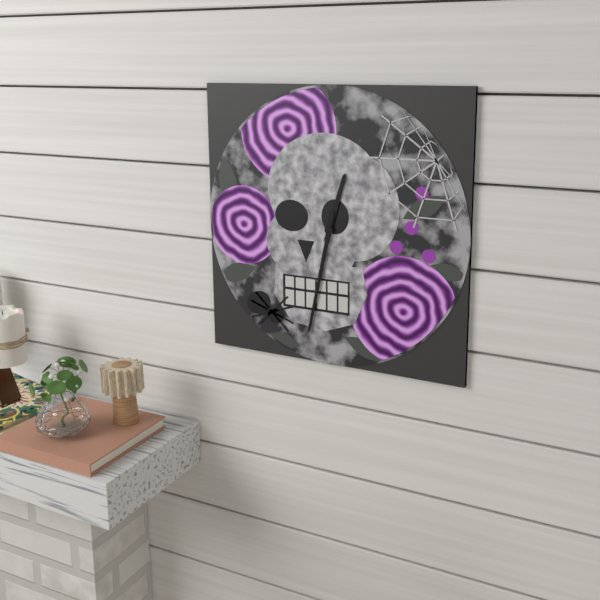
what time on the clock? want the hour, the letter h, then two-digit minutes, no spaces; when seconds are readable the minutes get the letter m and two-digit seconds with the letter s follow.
12h32
